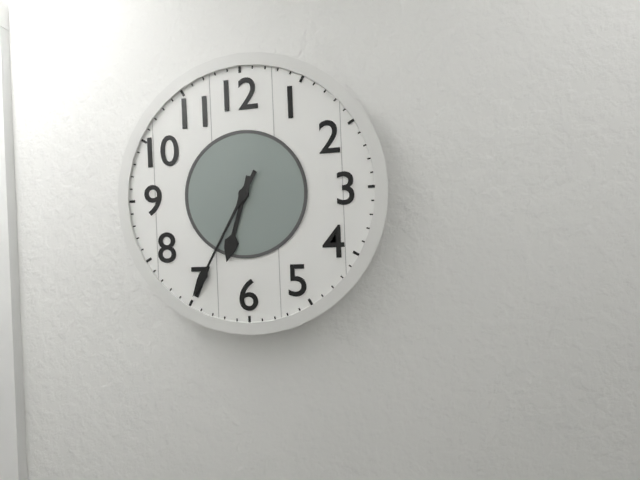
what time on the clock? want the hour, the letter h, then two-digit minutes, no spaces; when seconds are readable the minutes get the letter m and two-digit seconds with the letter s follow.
6h35
